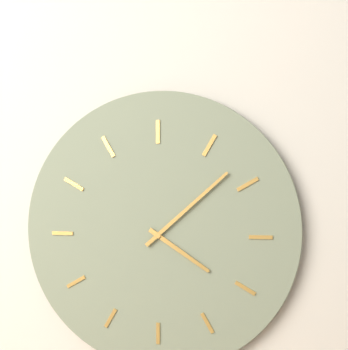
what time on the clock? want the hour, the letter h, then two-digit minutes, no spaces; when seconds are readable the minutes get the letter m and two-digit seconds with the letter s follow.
4h08
